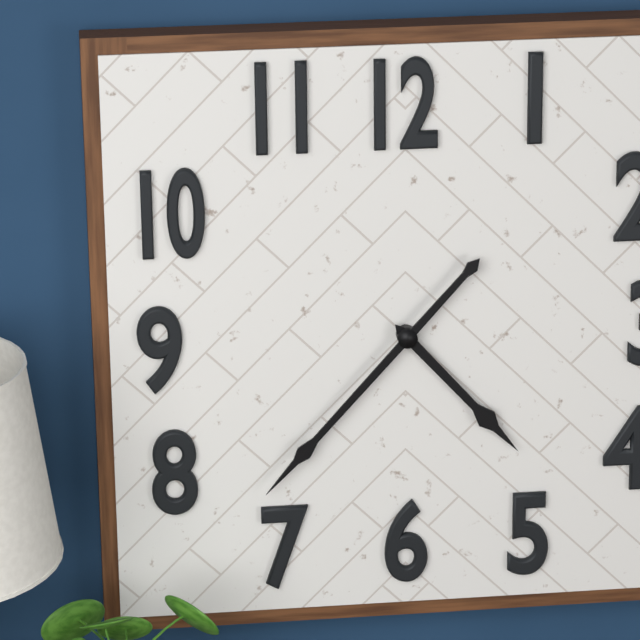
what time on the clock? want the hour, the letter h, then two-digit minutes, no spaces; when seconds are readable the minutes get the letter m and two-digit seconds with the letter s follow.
4h37
